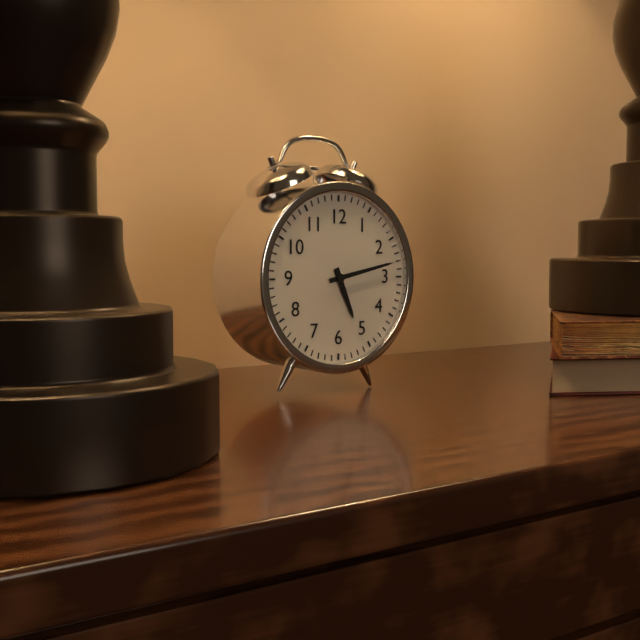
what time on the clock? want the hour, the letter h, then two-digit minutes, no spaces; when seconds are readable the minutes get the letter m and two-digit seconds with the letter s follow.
5h13
